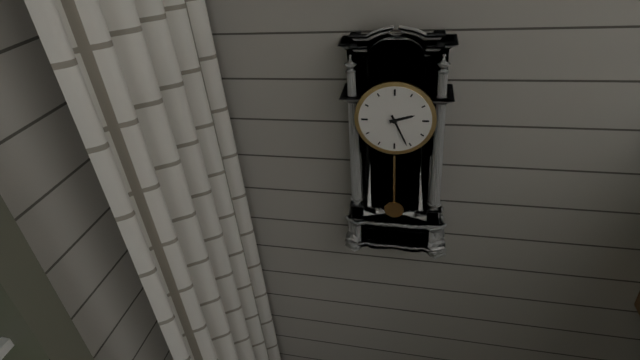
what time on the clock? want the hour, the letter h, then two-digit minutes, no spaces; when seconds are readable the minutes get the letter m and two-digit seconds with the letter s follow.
2h26
